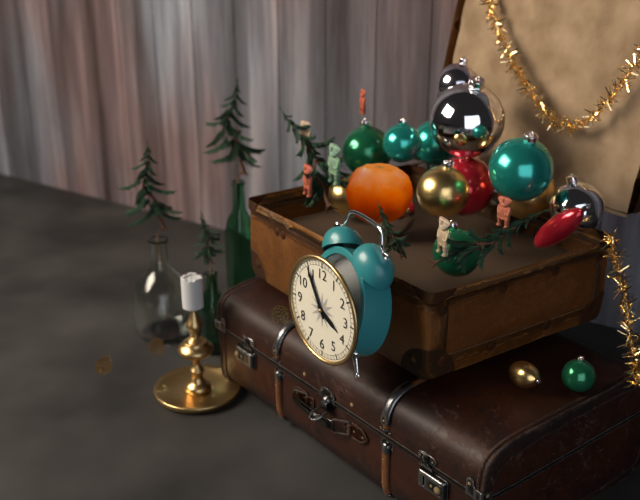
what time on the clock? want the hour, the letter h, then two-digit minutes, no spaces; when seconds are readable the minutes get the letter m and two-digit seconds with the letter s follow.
3h55
